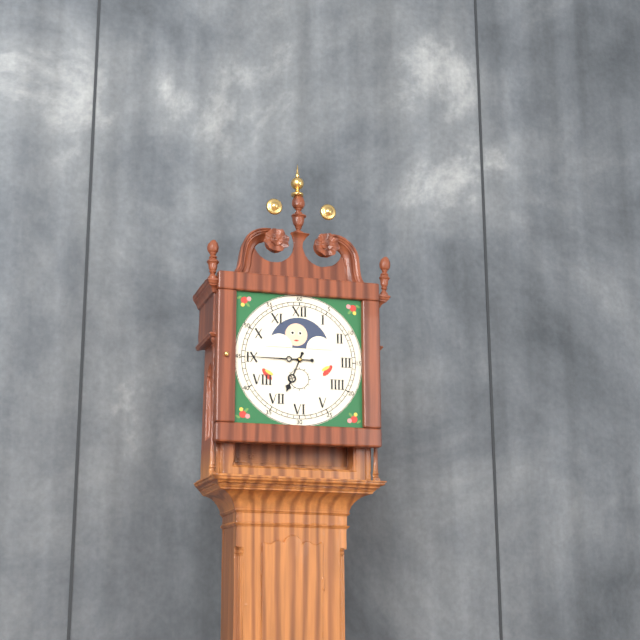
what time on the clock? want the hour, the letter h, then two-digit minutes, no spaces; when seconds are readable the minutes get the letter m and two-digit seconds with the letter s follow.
6h45
